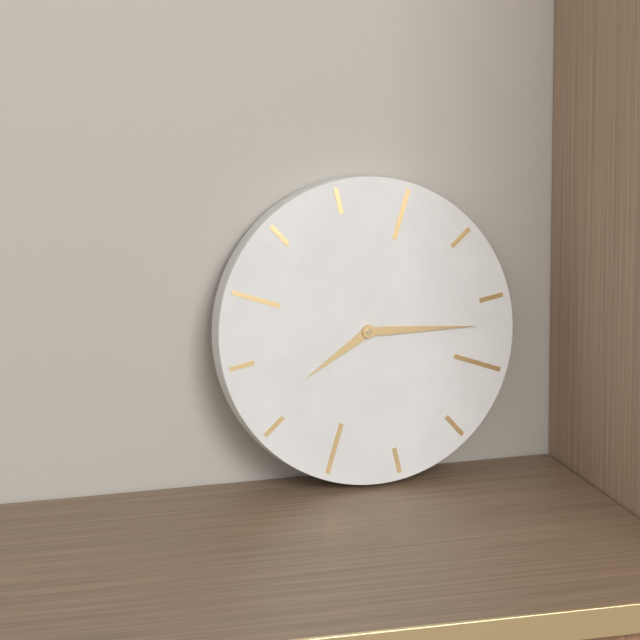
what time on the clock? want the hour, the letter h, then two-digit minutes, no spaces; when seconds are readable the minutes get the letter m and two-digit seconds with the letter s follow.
8h17
